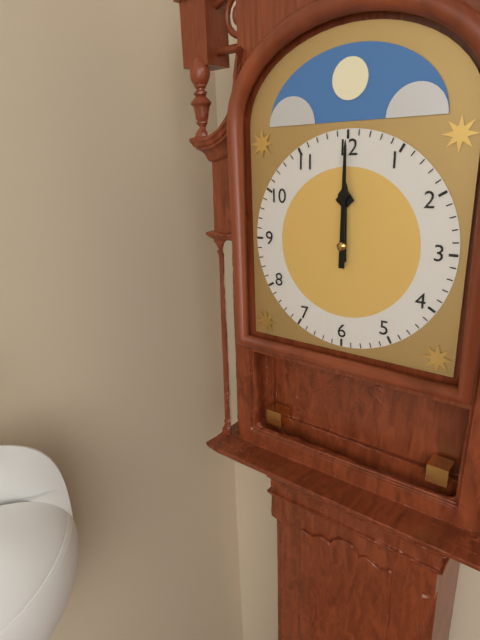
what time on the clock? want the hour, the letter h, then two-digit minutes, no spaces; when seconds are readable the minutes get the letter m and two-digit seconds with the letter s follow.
12h00
